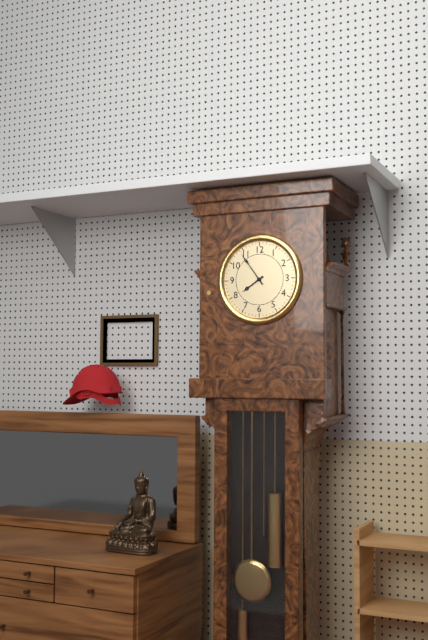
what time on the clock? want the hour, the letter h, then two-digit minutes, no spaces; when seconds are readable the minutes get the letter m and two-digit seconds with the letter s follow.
7h54
